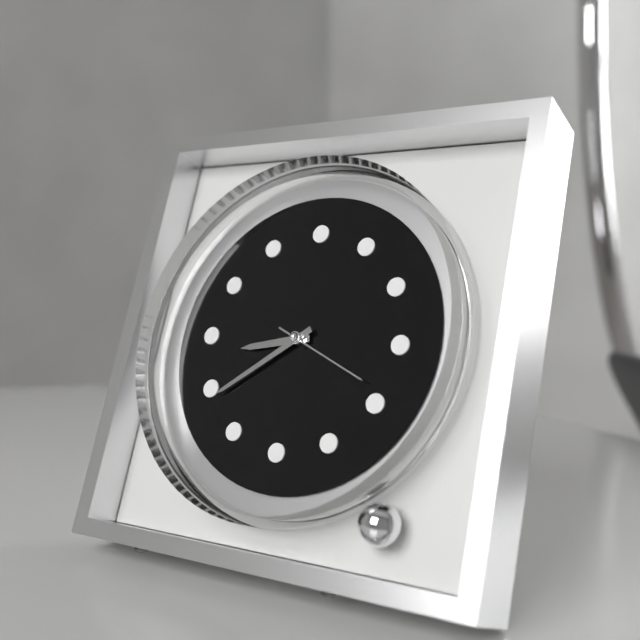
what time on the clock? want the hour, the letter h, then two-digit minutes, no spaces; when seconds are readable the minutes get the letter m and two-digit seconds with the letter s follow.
8h39m19s
